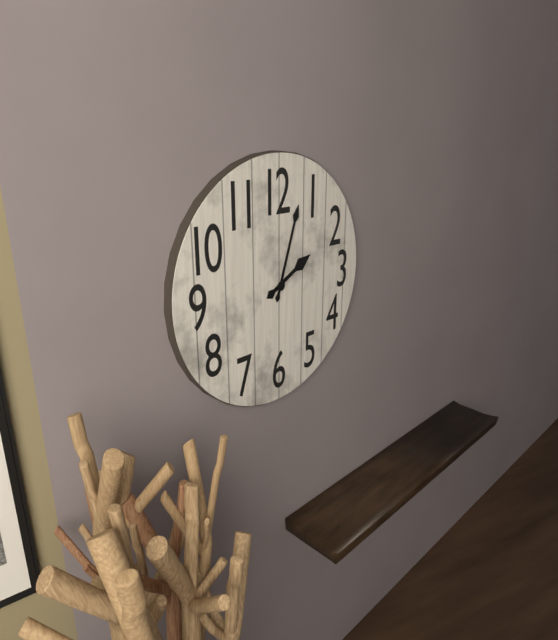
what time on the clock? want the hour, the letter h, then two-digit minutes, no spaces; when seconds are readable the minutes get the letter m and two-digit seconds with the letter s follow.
2h03
